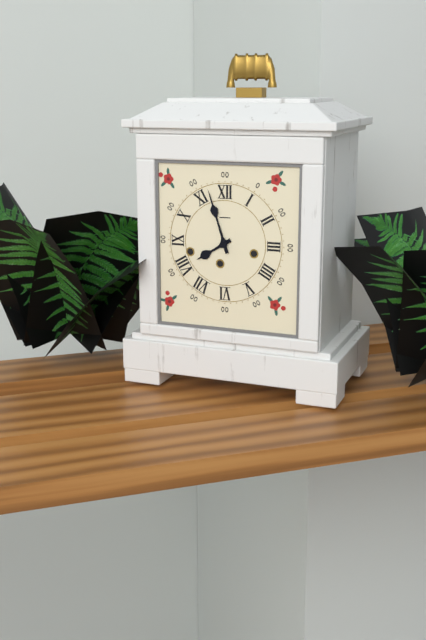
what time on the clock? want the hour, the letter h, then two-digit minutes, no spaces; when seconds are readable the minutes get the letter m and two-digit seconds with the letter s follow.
7h57
